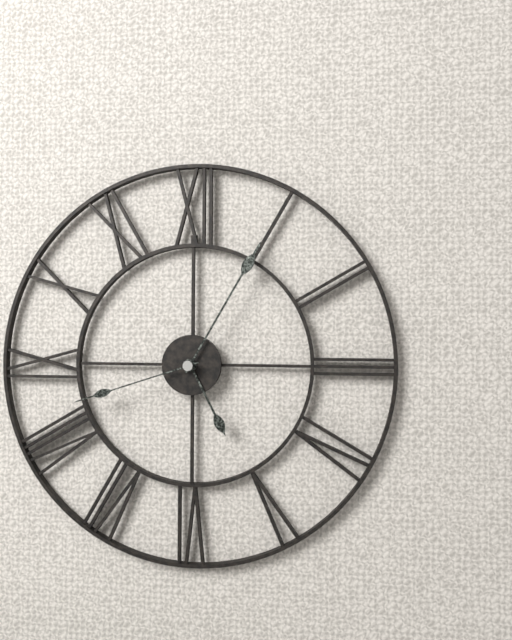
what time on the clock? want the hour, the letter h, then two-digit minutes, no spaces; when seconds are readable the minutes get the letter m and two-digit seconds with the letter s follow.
5h05m42s
